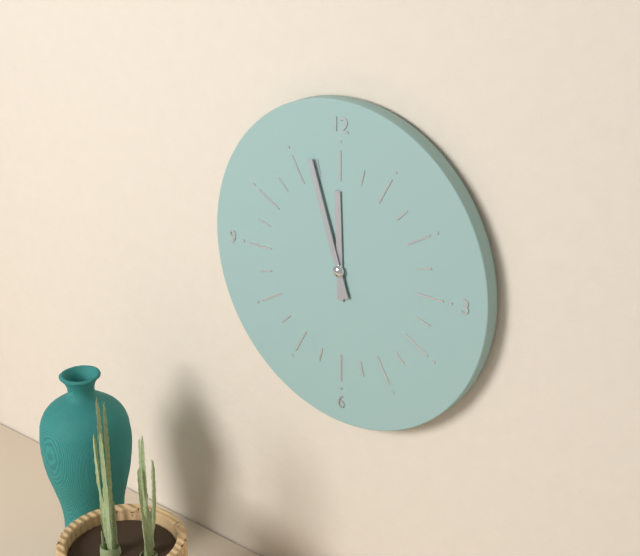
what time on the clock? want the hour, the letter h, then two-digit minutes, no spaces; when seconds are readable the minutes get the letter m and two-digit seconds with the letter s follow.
11h57
